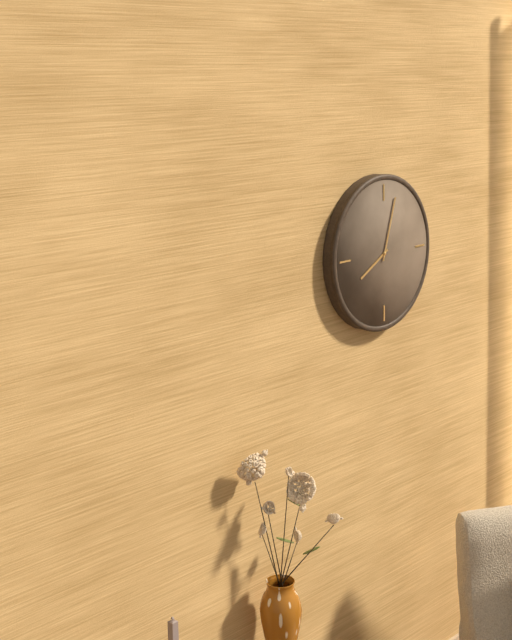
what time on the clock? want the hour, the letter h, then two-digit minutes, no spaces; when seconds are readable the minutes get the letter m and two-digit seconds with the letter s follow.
8h03
